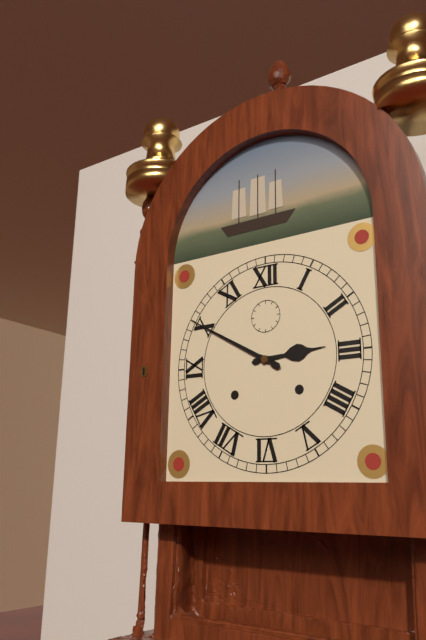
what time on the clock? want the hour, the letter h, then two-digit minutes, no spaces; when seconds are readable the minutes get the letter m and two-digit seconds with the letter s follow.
2h50
